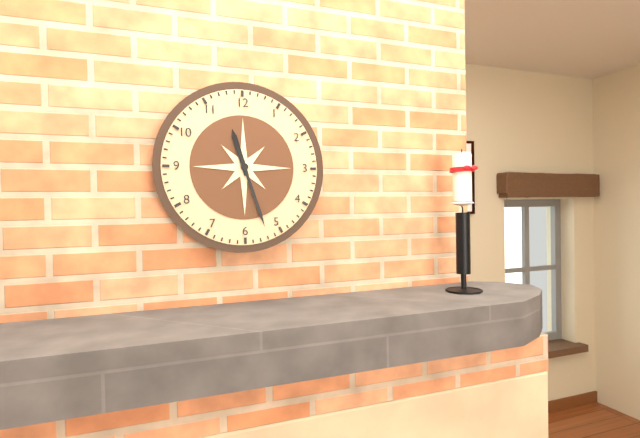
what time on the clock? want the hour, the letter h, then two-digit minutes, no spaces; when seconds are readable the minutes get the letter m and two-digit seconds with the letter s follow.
11h27
